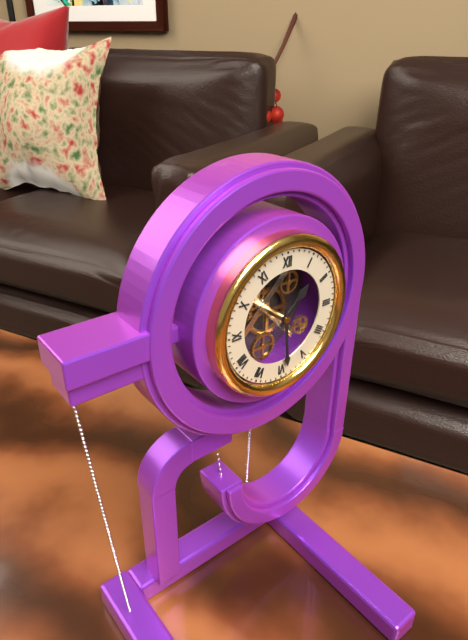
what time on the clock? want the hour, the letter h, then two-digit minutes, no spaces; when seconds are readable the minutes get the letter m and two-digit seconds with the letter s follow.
1h29
